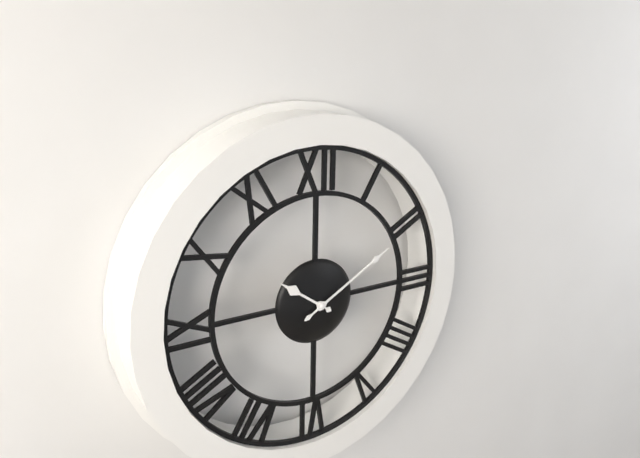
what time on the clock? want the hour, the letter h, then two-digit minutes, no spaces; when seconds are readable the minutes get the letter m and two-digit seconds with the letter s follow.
10h10
